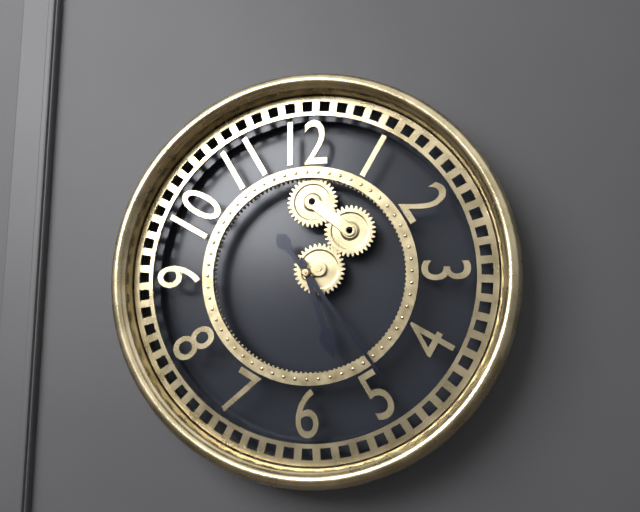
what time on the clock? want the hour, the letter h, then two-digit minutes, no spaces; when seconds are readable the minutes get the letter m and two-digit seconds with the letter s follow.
5h24
